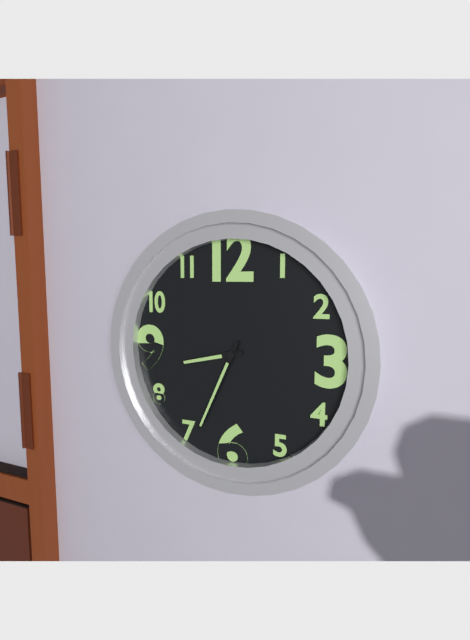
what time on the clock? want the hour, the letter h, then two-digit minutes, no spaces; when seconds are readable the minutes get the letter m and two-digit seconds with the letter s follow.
8h34
